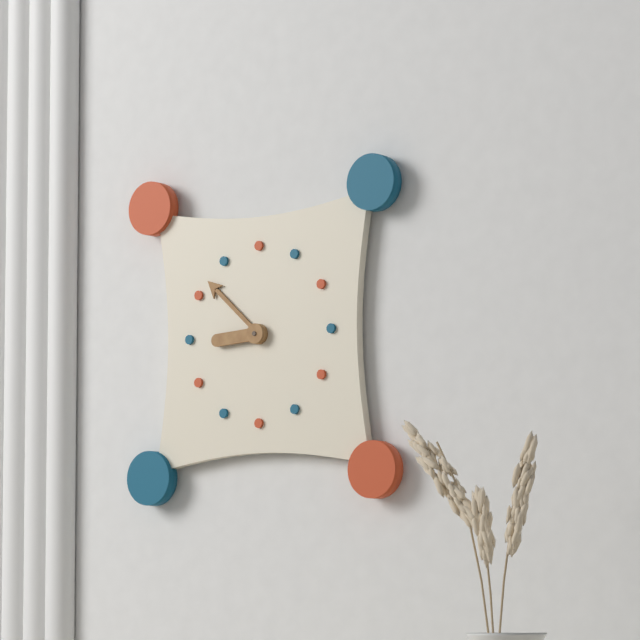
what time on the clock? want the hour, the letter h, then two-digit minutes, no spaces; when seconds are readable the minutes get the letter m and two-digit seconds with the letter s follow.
8h52
